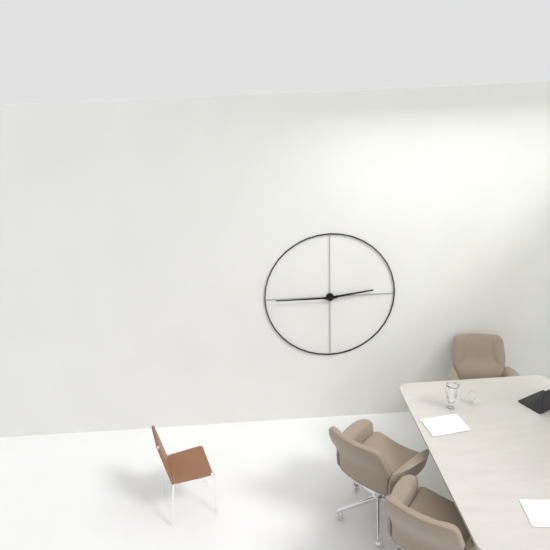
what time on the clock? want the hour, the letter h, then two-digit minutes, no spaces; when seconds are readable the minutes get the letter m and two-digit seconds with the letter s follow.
2h45
